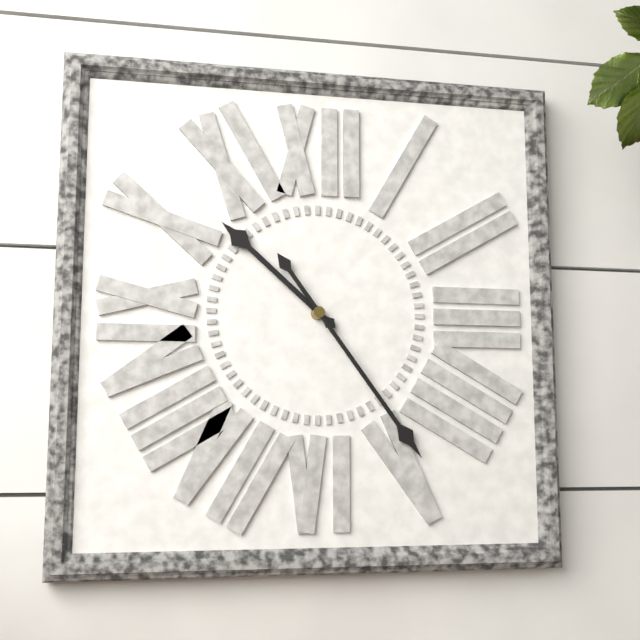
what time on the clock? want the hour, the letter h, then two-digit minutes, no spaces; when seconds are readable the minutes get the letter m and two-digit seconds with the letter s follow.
10h24
